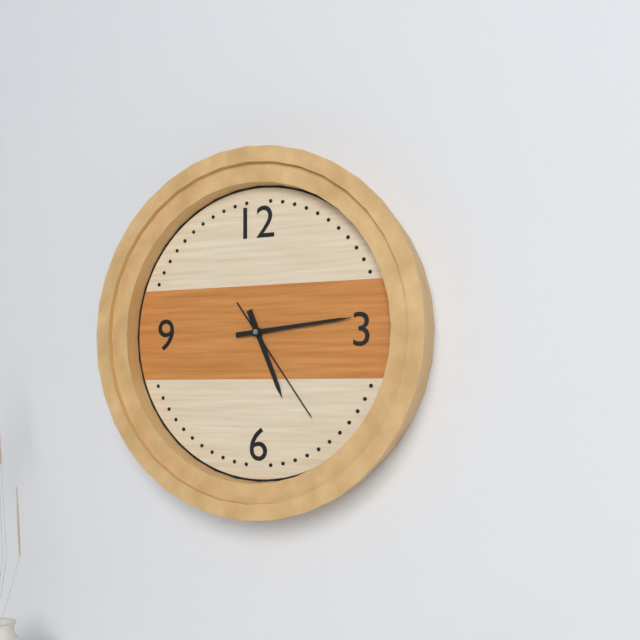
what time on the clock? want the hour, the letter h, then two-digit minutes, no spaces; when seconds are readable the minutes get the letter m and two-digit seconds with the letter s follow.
5h14m24s
